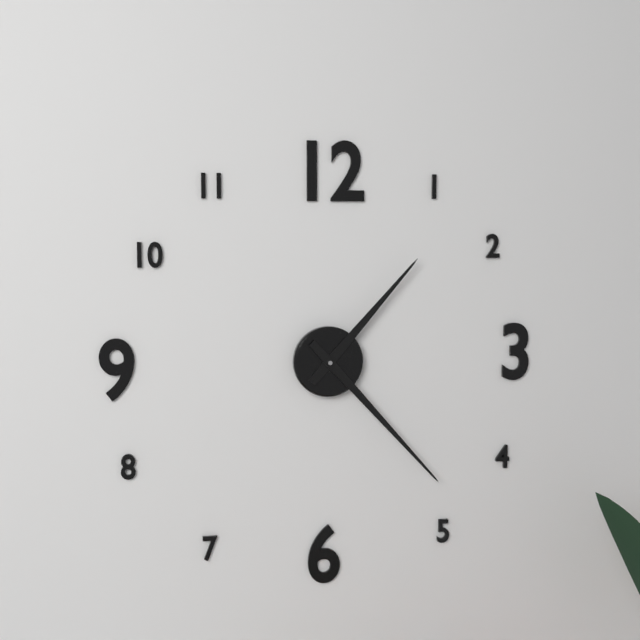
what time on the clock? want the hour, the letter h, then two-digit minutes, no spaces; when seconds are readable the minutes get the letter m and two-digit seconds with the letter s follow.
1h23
